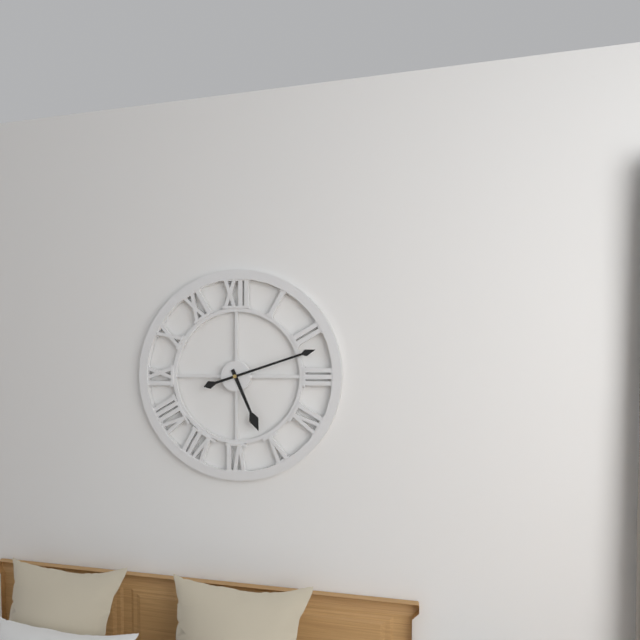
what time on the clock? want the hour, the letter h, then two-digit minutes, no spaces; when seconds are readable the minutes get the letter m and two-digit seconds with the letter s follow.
5h12
